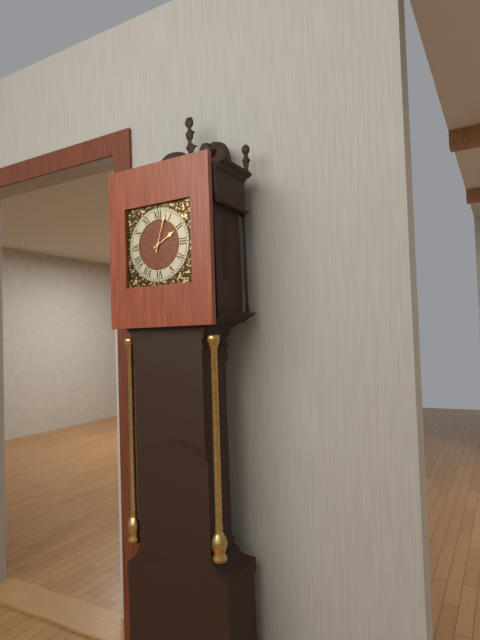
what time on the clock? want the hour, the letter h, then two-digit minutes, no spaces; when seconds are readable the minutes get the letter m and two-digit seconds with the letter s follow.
2h03
